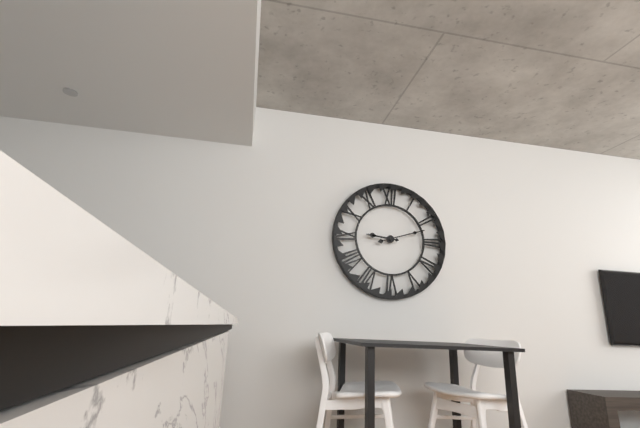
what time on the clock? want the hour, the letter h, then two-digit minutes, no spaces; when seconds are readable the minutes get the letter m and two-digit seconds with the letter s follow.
9h12
